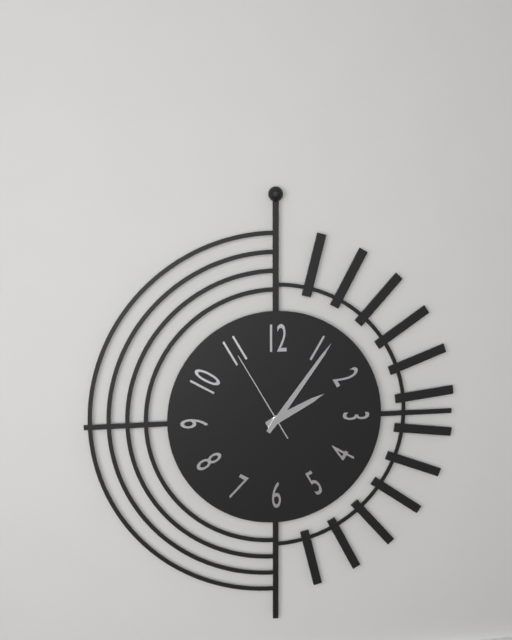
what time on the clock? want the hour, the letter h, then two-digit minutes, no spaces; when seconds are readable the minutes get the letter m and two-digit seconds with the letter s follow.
2h06m55s
